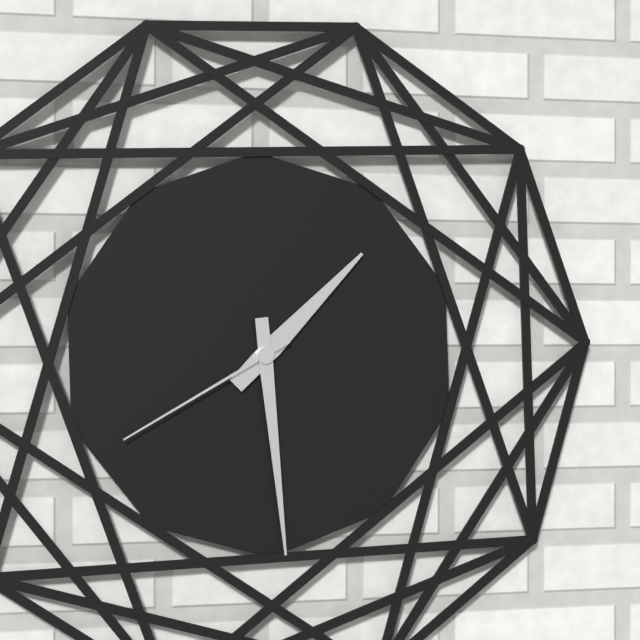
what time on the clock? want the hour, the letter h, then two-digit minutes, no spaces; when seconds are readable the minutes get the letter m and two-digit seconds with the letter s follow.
1h29m40s
